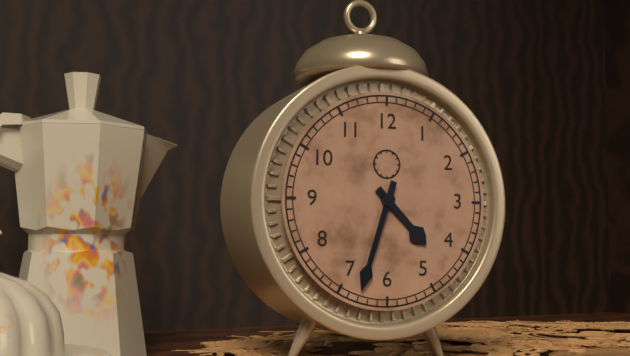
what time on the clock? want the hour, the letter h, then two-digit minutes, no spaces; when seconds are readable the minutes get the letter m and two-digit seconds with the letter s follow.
4h33
